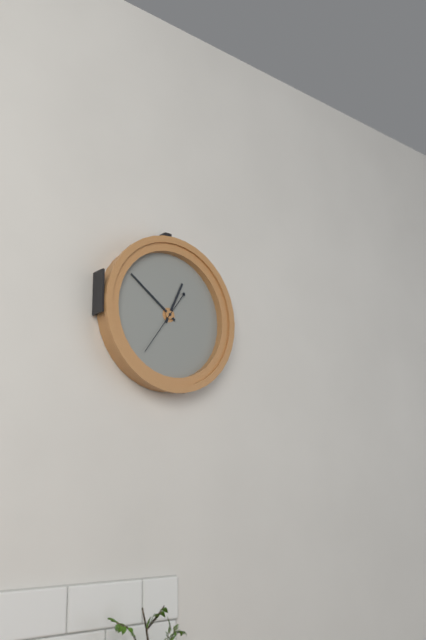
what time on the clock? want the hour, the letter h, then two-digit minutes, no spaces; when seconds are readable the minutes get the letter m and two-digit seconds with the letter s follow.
12h51m36s
